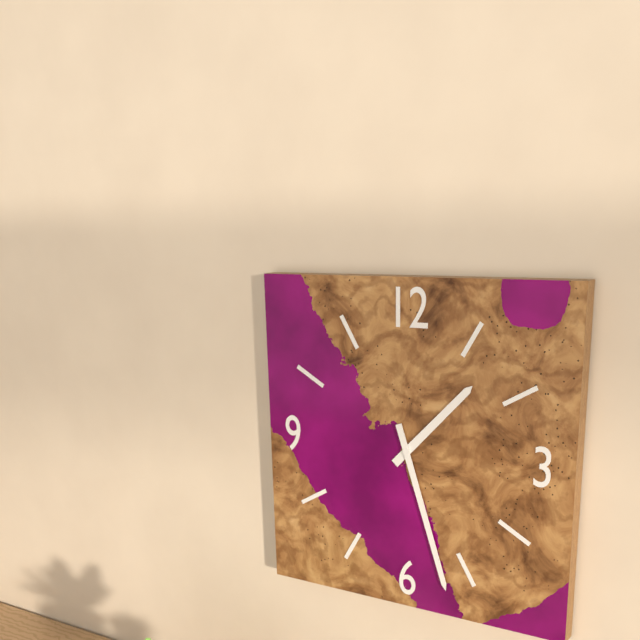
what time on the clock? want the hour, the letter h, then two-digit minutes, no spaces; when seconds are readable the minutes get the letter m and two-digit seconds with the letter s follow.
1h27
